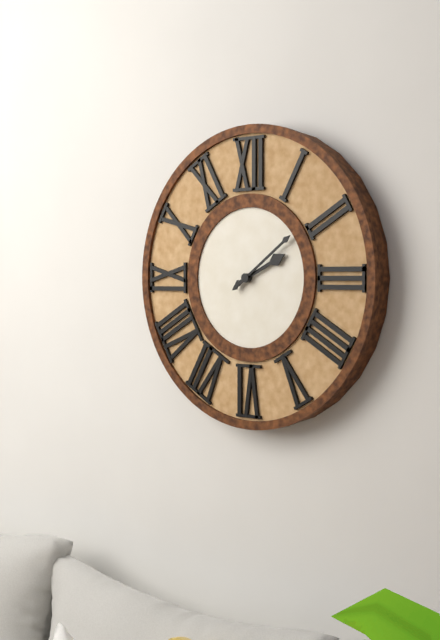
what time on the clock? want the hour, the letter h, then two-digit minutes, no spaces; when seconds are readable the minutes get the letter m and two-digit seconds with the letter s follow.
2h09
